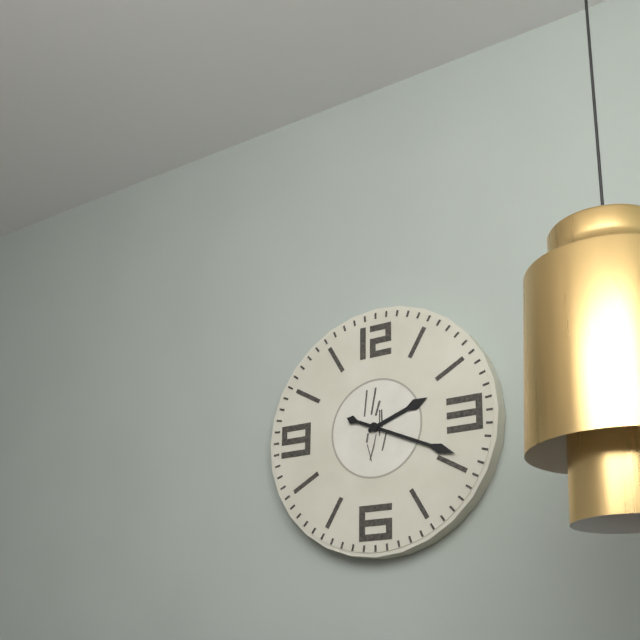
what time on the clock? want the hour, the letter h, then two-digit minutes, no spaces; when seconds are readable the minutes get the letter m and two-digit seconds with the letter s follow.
2h19
